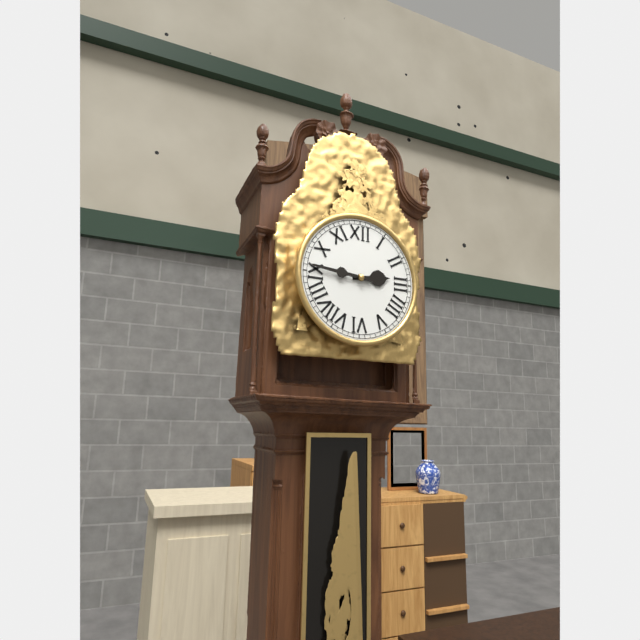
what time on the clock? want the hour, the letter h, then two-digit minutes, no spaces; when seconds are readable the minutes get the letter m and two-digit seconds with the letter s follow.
2h46
